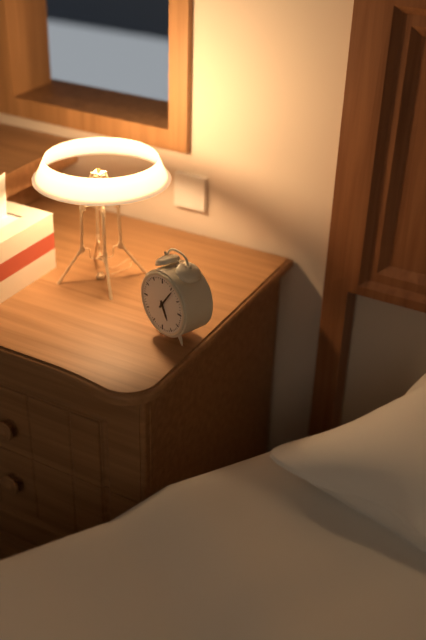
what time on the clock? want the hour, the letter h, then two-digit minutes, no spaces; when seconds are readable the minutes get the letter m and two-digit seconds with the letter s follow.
5h06
